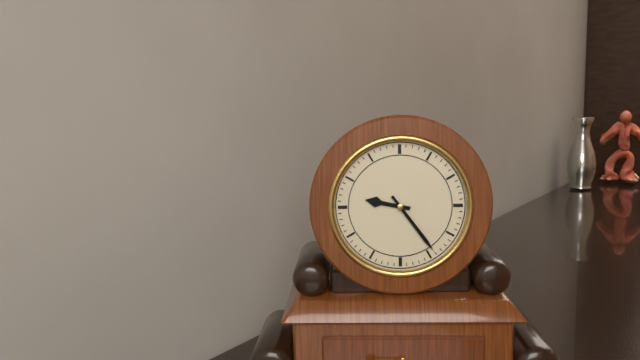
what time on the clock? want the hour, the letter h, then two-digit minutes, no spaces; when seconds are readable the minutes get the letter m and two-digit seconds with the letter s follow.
9h24
